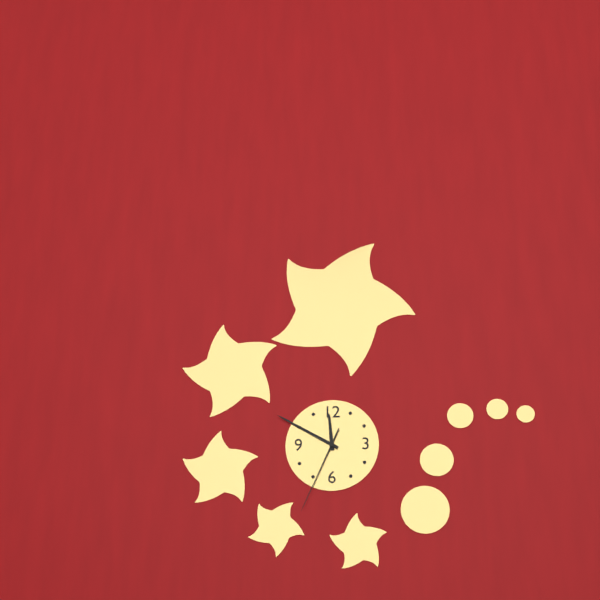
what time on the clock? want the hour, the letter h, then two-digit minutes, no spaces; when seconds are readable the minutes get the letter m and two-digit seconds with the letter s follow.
11h50m34s
